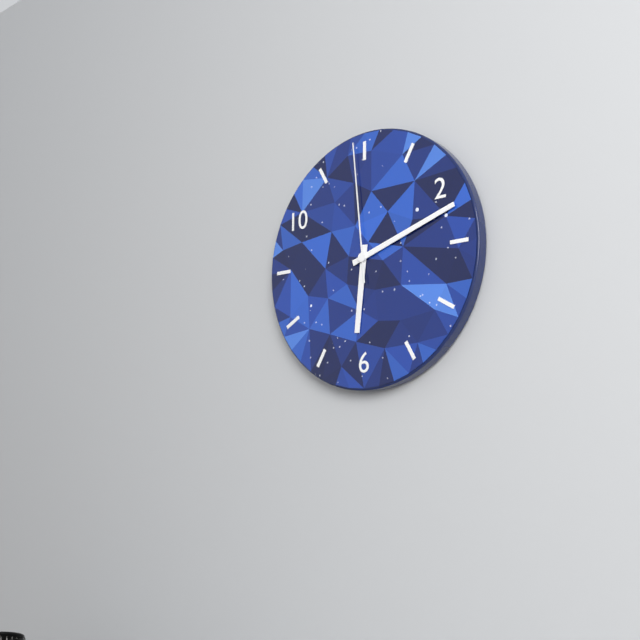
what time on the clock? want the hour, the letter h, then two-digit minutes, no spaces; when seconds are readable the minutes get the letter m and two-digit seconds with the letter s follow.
6h12m59s
